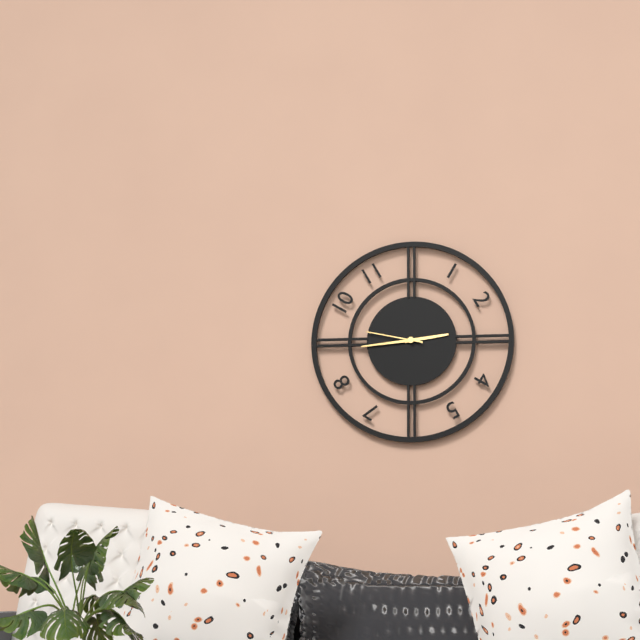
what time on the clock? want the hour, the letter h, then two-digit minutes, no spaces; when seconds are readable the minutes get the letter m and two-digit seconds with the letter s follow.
2h44m47s
